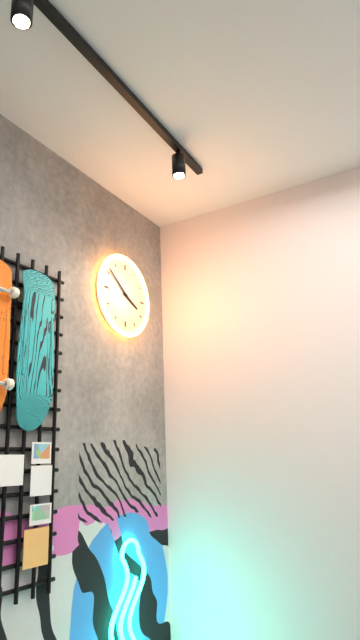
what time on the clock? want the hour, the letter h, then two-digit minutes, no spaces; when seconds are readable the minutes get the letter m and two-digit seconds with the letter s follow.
3h51
